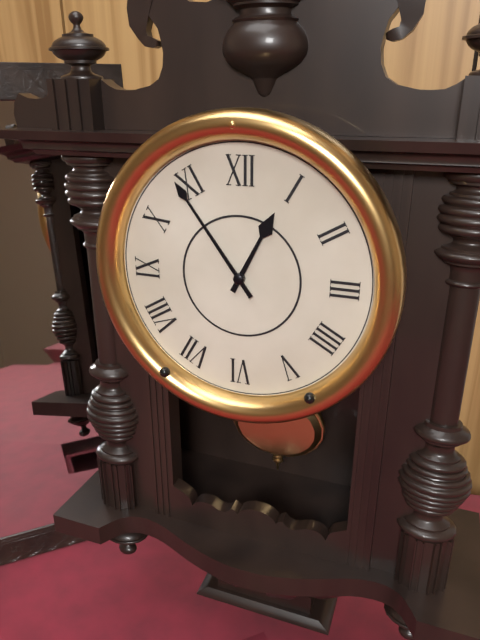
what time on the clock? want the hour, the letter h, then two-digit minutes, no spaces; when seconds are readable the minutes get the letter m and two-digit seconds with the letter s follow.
12h54
